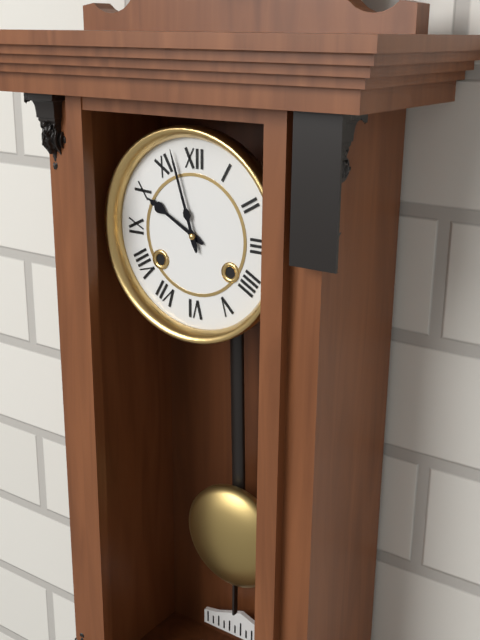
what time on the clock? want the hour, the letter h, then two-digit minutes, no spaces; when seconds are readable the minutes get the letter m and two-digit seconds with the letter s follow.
9h57
